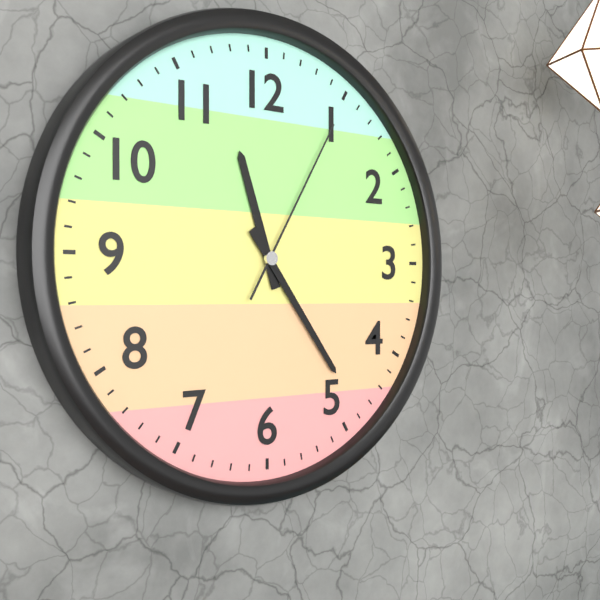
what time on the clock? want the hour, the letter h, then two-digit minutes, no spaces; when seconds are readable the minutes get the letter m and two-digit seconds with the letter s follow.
11h24m05s
